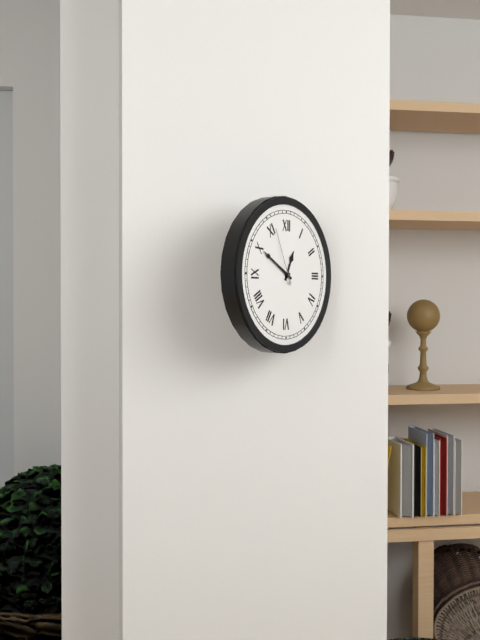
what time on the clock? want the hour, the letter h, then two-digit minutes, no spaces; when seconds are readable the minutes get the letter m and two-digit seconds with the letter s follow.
12h50m56s
